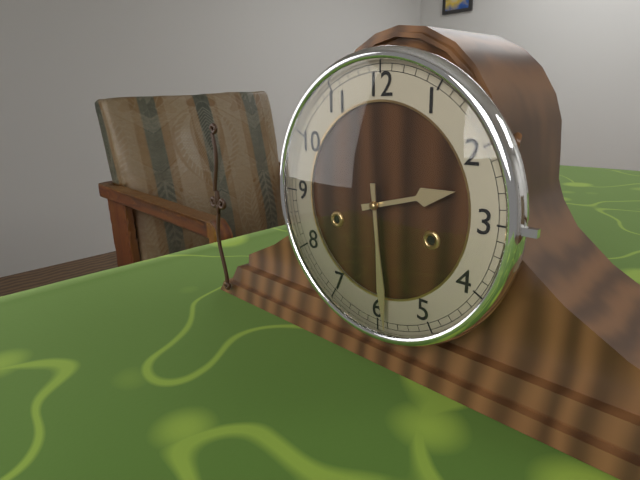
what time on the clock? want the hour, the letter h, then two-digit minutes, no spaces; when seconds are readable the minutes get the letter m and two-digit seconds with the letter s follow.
2h29
